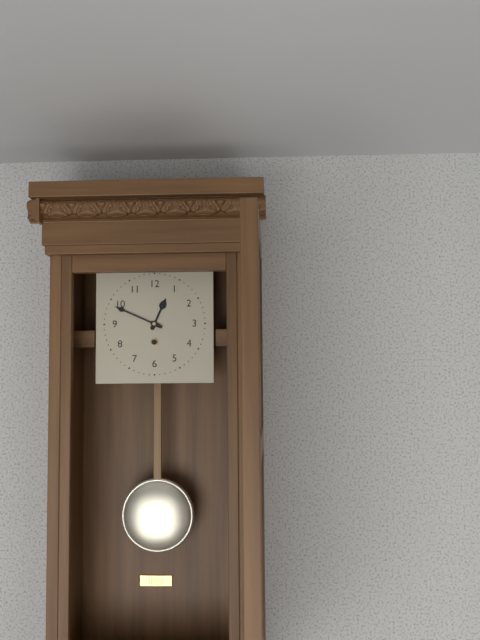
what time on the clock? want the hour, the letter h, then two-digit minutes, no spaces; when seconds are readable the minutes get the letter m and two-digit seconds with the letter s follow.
12h49
